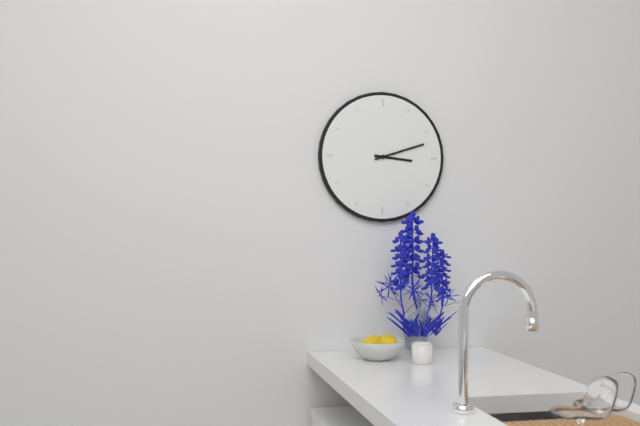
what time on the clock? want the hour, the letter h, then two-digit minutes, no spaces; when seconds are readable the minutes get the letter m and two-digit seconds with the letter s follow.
3h12
